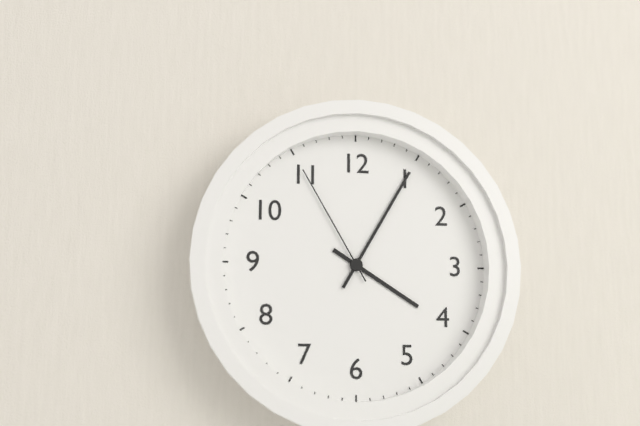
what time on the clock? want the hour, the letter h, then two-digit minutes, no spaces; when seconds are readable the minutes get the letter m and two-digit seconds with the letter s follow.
4h05m55s
